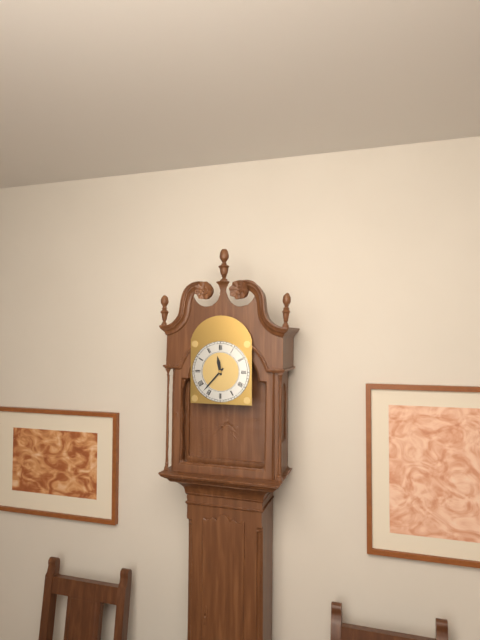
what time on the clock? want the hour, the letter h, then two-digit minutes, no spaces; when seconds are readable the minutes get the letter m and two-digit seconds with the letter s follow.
11h37
